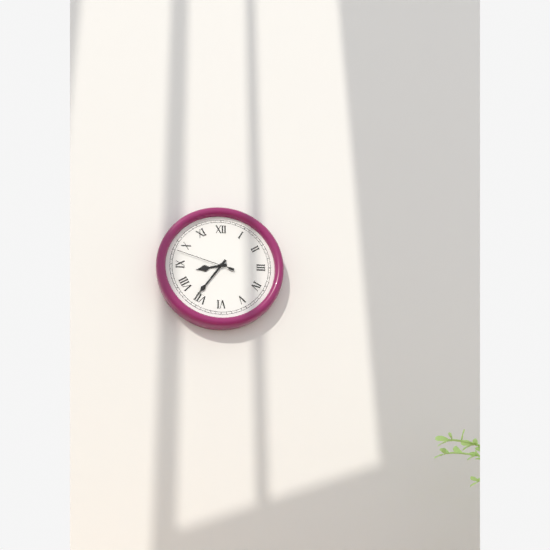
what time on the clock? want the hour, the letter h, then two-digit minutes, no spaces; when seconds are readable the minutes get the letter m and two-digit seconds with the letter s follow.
8h36m48s
